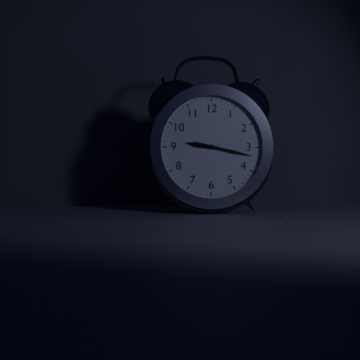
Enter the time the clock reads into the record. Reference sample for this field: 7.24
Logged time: 9.17
